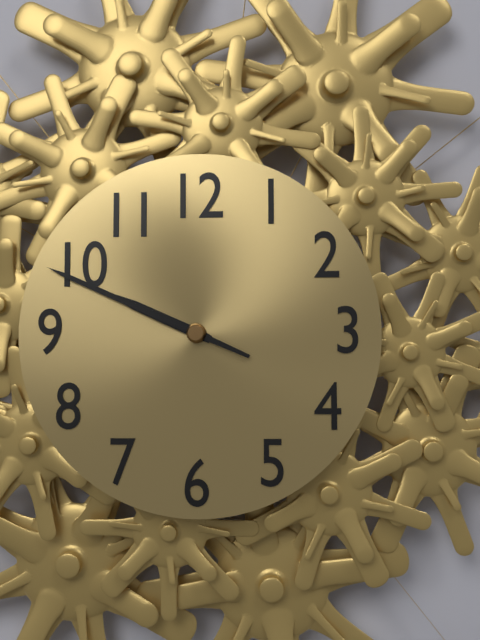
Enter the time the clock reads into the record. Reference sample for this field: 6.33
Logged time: 9.49
